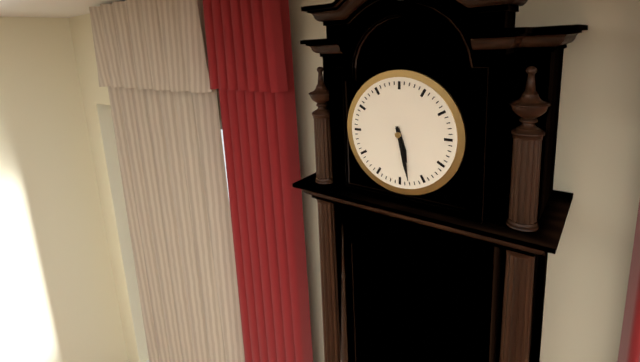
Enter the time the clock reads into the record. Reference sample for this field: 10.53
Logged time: 5.28
